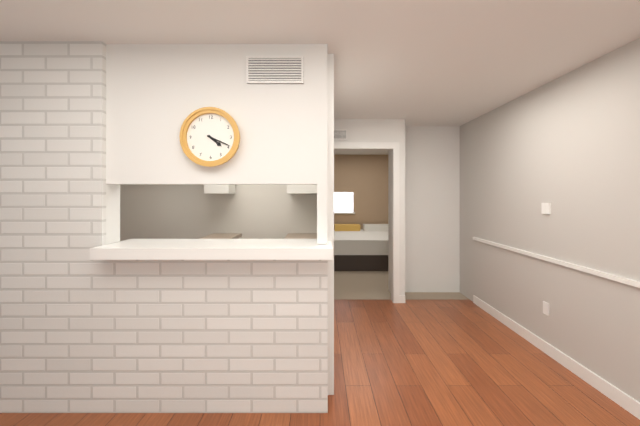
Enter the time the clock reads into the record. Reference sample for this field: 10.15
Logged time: 4.19
